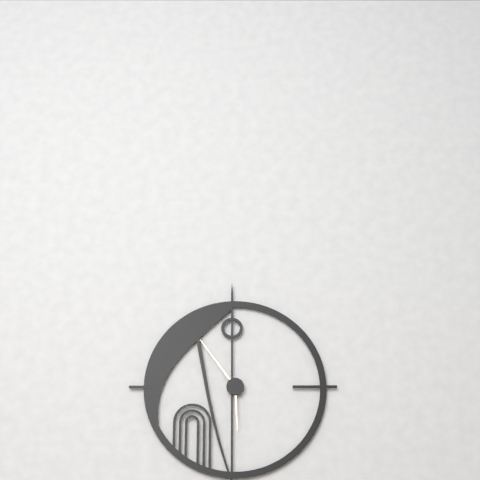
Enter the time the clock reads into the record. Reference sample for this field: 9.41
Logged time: 5.54
